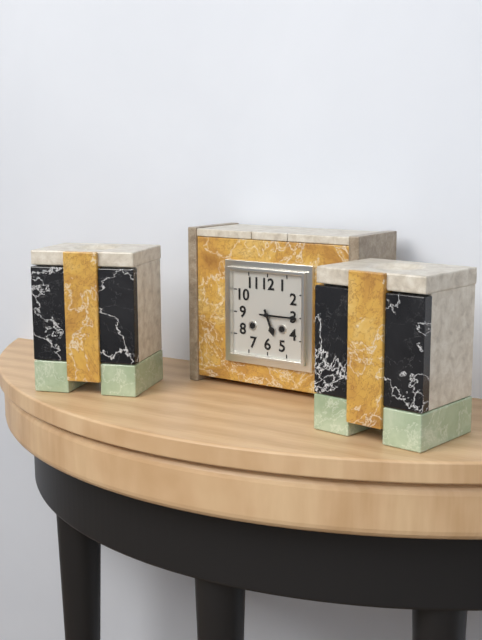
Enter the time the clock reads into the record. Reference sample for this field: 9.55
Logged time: 5.15
